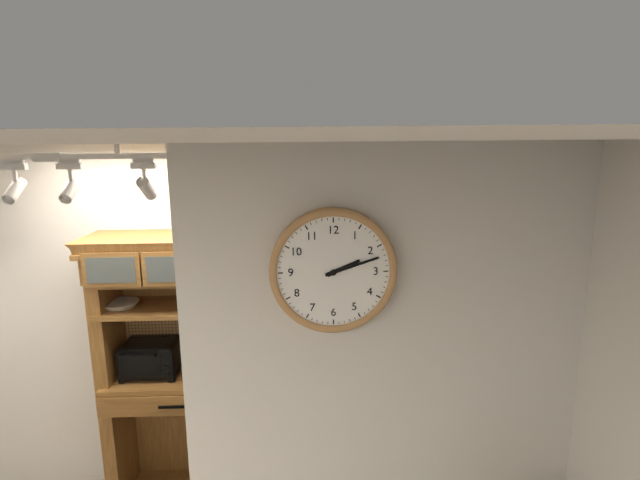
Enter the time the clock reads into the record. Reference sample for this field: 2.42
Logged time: 2.12
